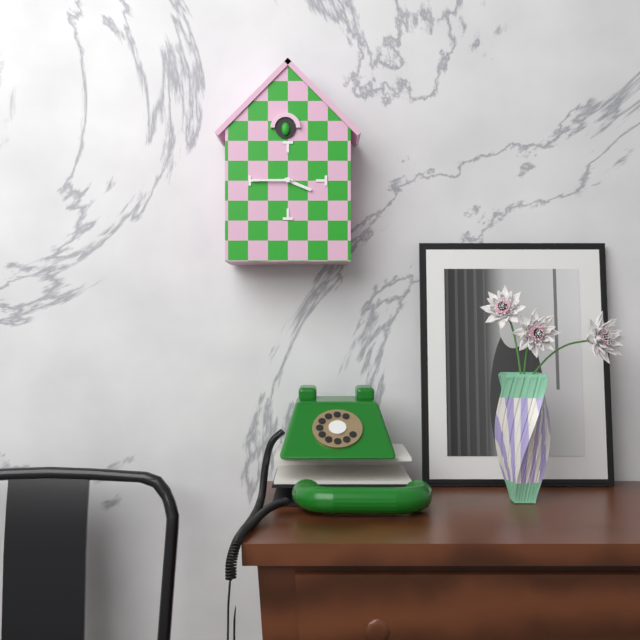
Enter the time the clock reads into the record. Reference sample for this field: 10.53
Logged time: 3.45
